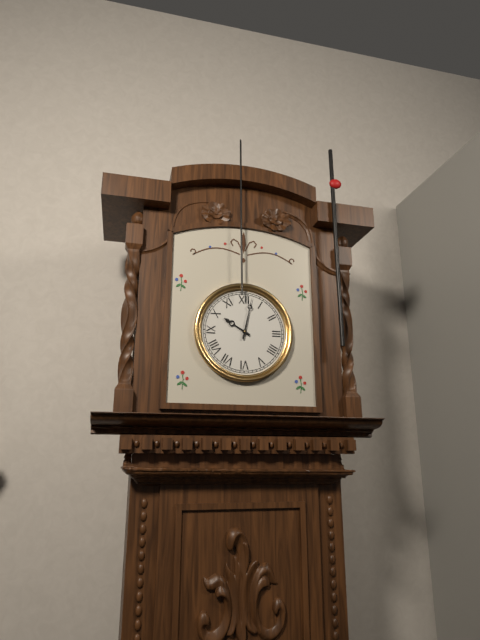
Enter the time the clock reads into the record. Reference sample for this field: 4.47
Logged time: 10.02
